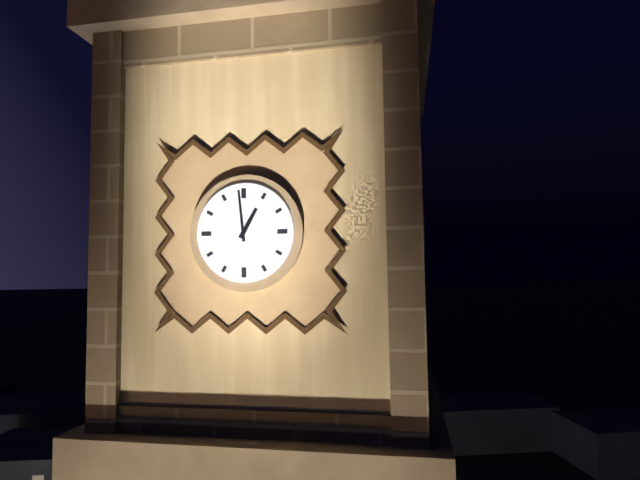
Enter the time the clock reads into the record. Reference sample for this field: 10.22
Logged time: 12.59
